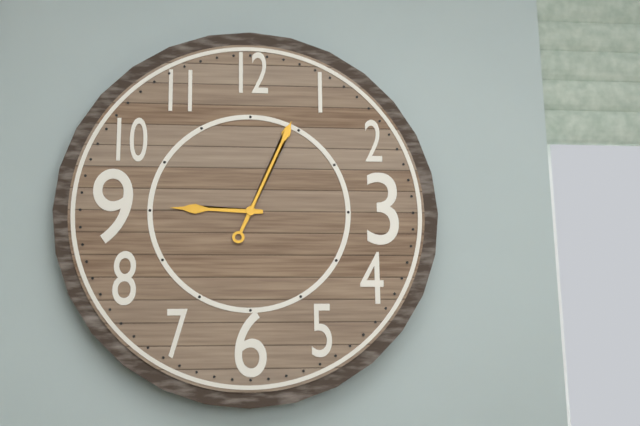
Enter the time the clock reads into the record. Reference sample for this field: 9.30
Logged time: 9.04
